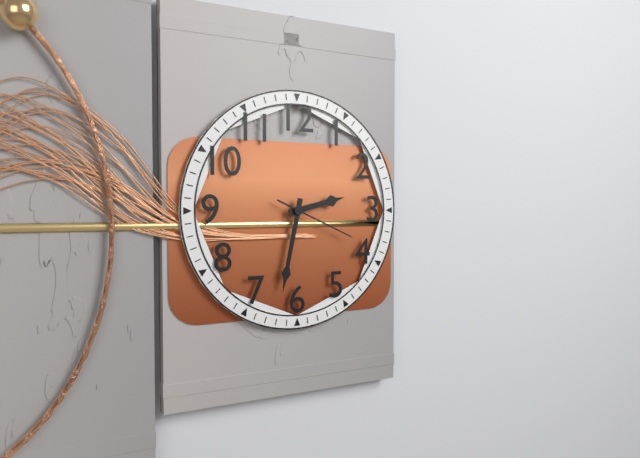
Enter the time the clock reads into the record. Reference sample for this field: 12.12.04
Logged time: 2.32.19
